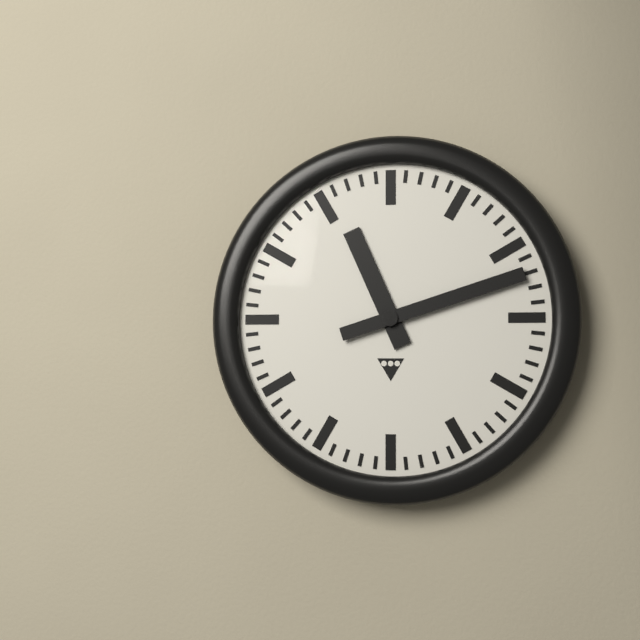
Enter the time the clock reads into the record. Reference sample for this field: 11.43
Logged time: 11.12
